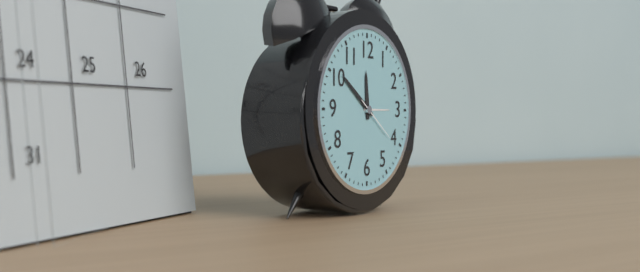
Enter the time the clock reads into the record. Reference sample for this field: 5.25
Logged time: 11.51
